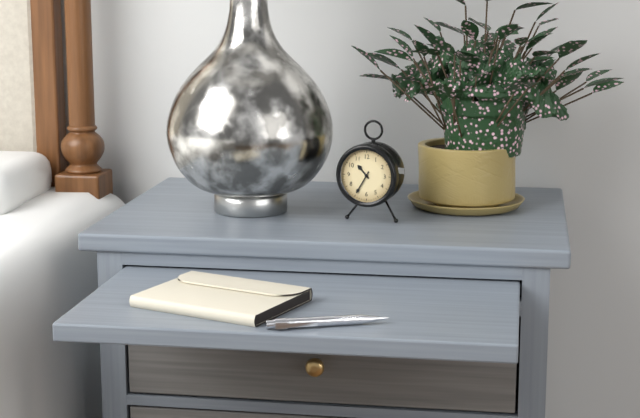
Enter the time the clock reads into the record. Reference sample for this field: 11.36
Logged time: 10.35
